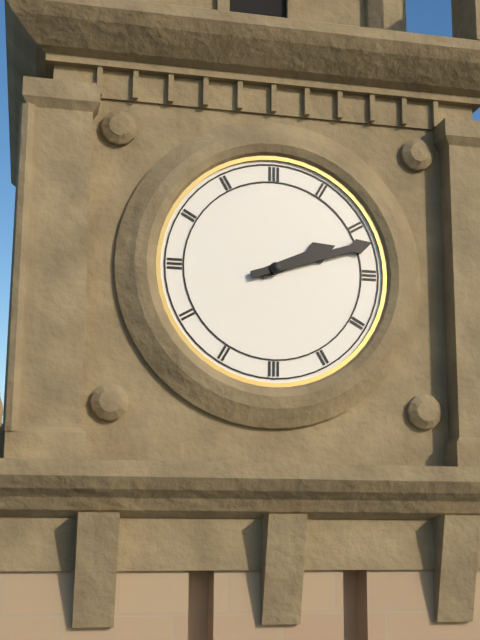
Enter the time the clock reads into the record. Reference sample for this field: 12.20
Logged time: 2.12
